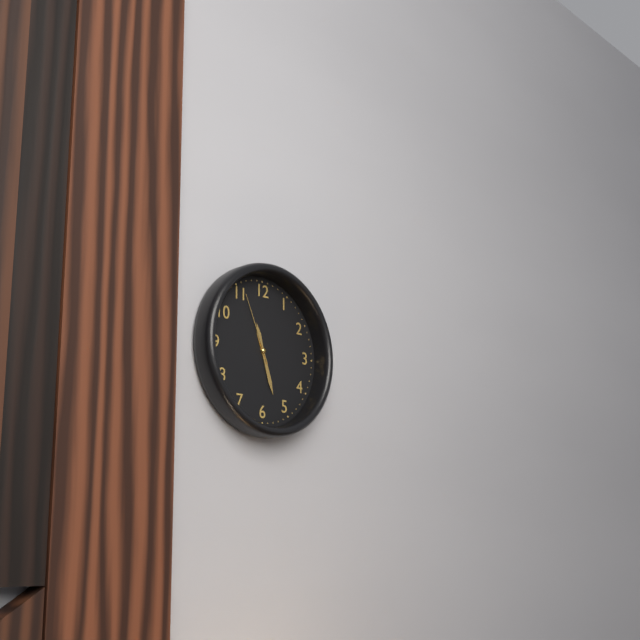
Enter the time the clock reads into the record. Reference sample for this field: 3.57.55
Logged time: 11.27.56
